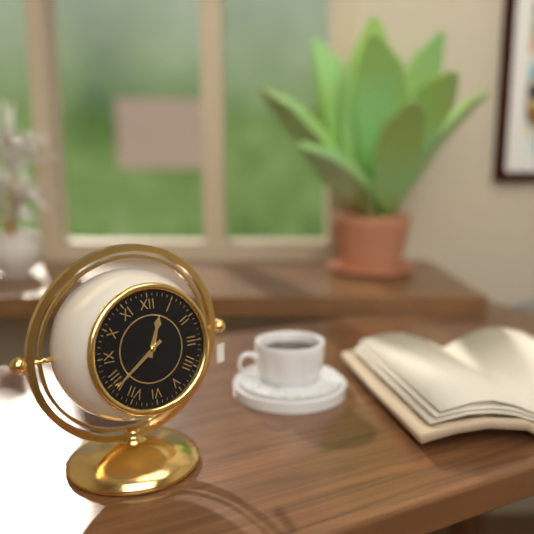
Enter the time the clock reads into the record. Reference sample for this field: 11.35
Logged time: 12.39
